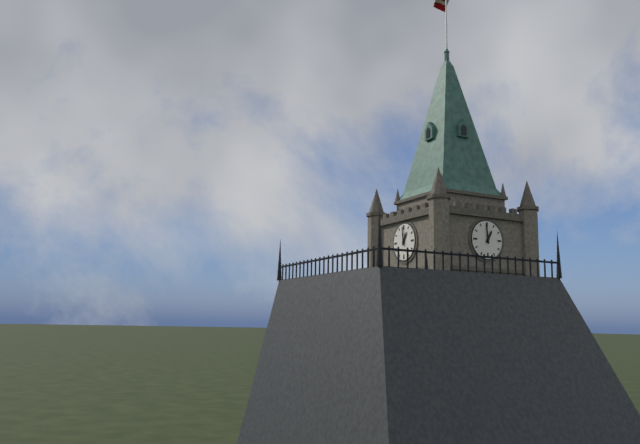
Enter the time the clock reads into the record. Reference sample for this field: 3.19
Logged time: 12.59
